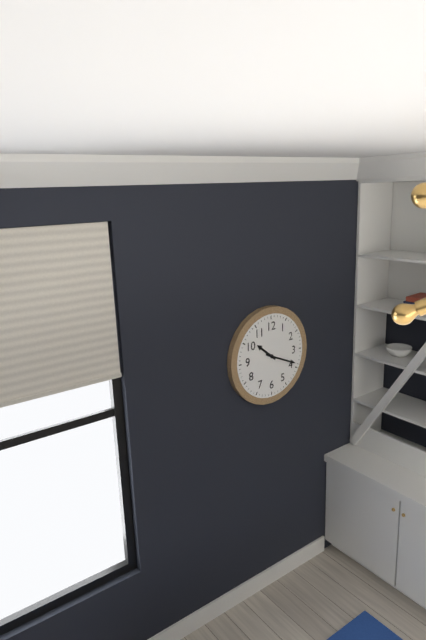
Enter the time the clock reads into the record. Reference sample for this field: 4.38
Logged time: 10.19
